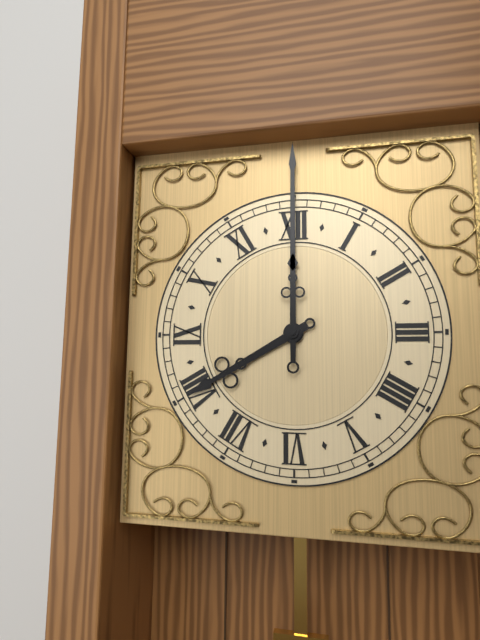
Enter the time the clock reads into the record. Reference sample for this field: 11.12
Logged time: 8.00
